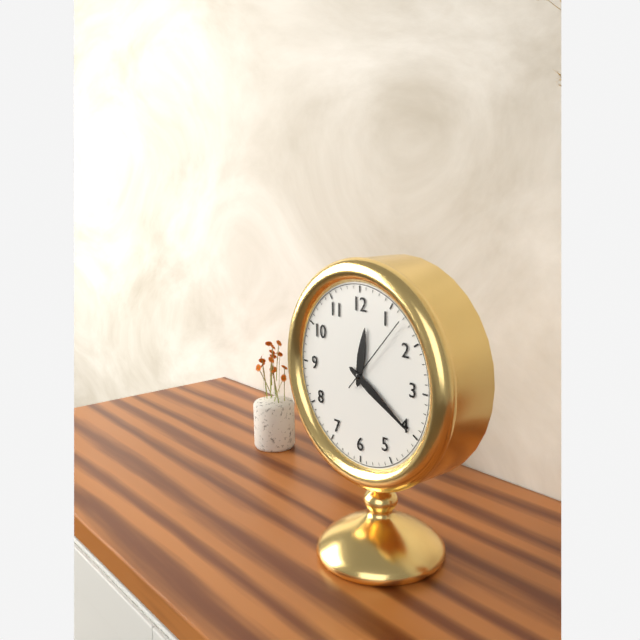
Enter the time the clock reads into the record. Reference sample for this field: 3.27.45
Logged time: 12.20.07
